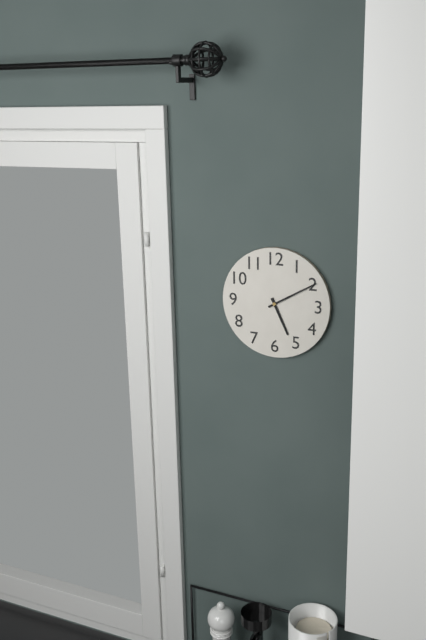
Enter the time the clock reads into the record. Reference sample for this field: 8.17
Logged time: 5.10
